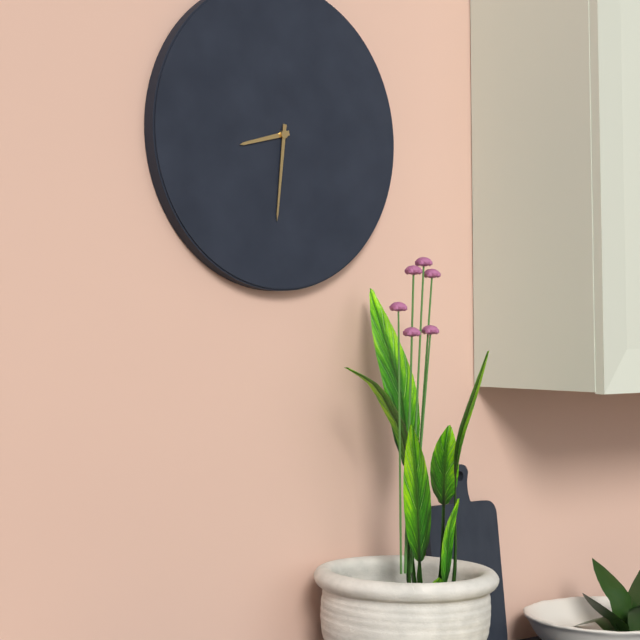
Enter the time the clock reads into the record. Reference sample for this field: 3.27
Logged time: 8.31
